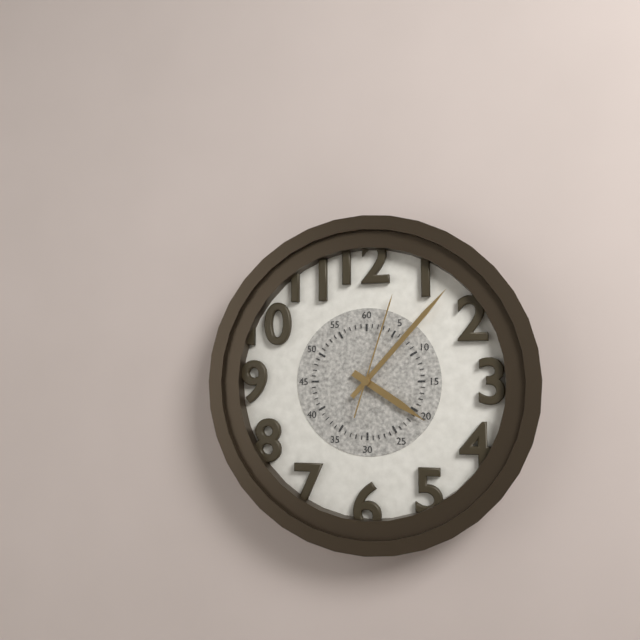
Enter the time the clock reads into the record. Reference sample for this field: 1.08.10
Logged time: 4.07.03
